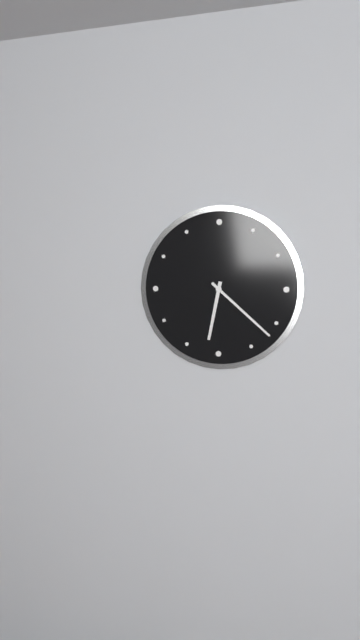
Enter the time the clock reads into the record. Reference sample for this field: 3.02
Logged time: 6.22
